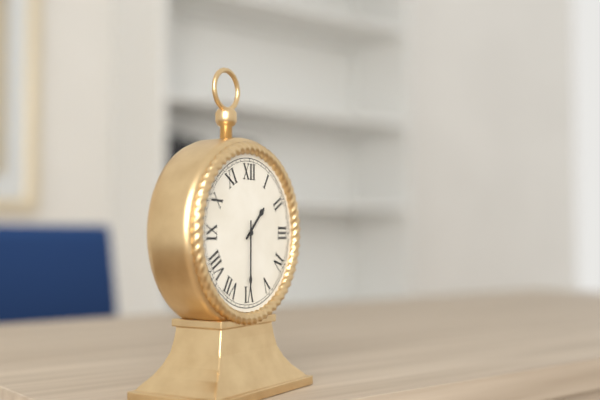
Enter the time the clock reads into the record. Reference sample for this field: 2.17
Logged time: 1.30
